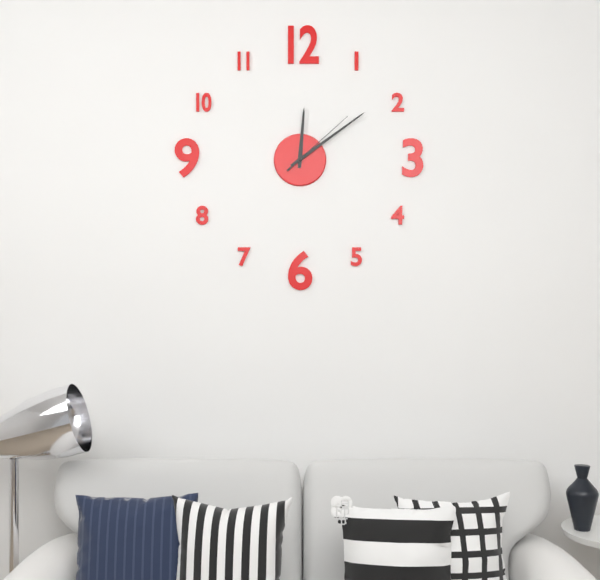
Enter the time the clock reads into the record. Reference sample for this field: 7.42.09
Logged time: 12.09.08
